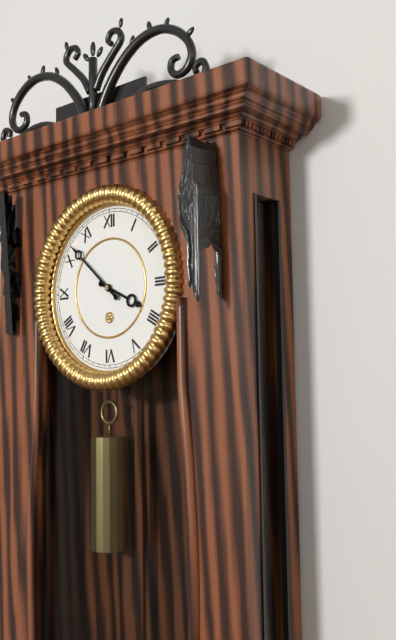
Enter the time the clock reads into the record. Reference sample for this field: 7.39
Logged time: 3.52
